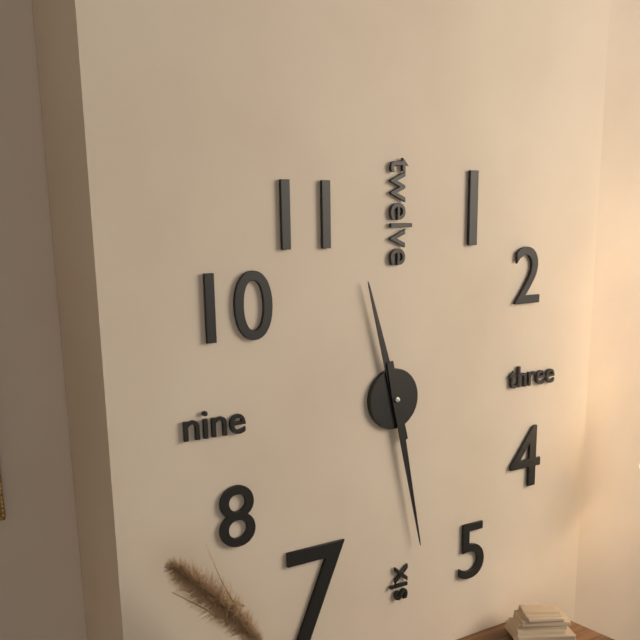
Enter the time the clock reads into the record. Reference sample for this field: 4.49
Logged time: 11.28
